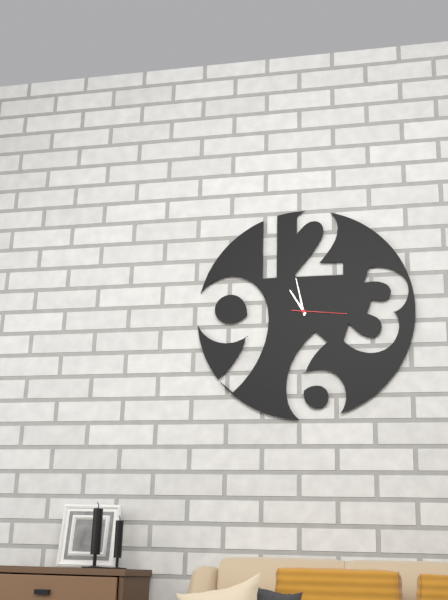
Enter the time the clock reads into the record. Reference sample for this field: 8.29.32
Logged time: 10.58.16
